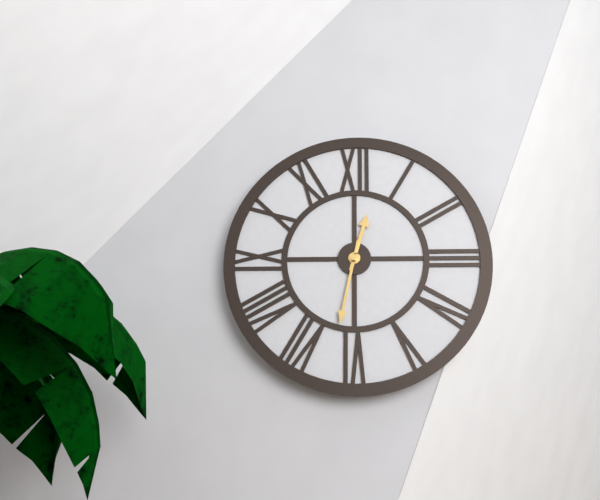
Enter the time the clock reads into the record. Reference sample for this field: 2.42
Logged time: 12.32
